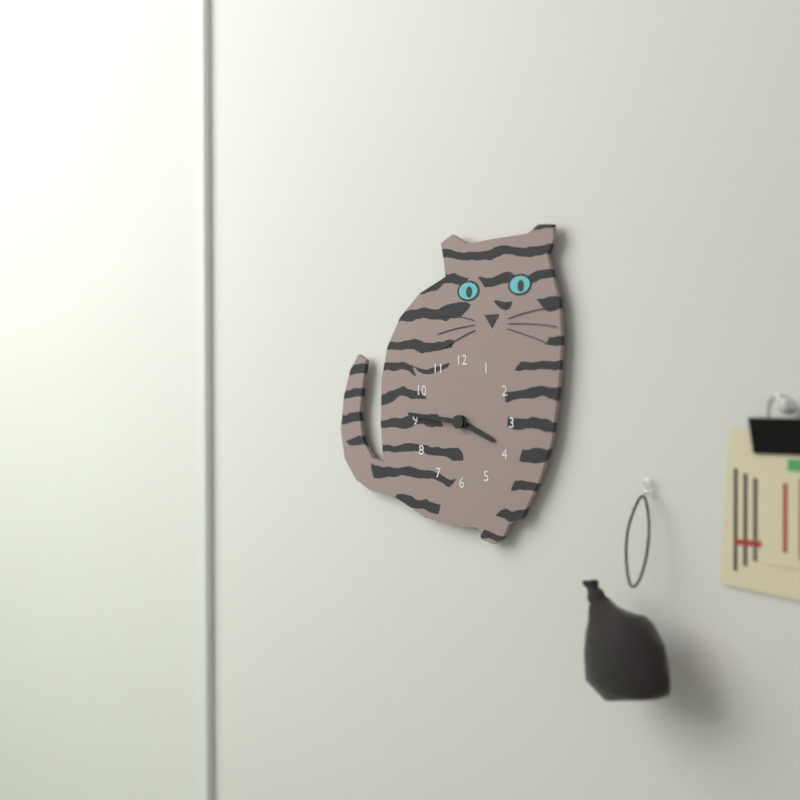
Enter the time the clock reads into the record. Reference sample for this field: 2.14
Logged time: 3.46
